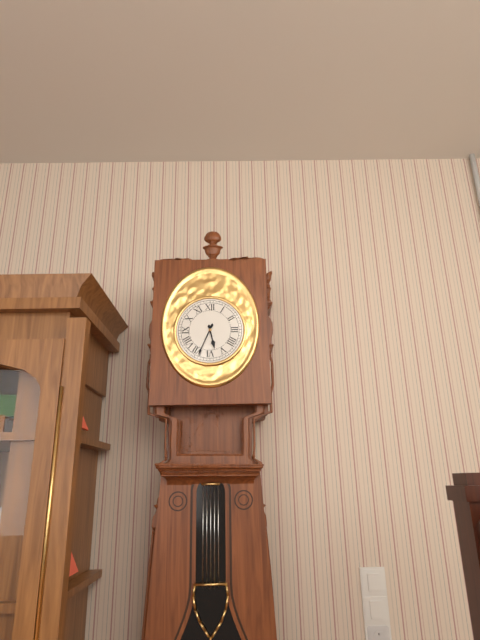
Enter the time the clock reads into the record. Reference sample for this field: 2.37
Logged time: 5.34
